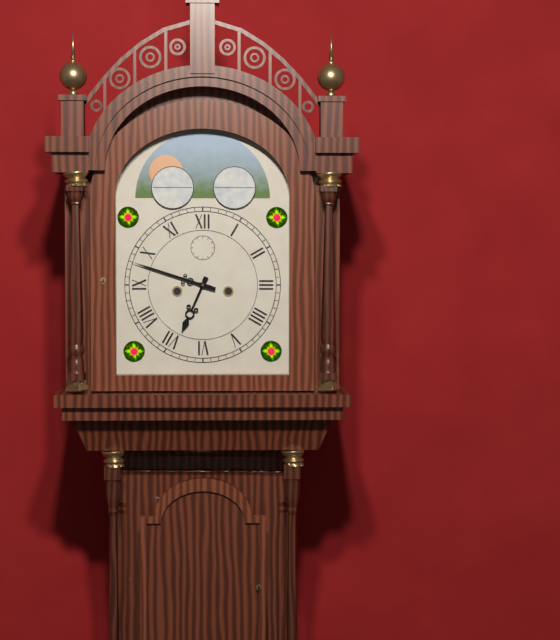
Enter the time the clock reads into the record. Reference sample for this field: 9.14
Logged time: 6.48
